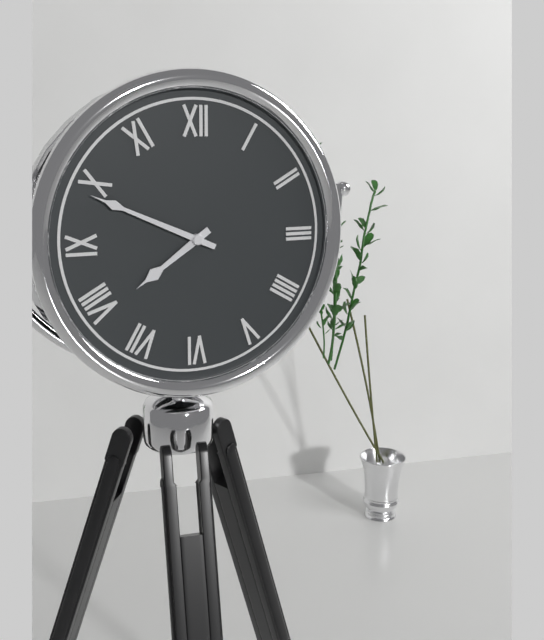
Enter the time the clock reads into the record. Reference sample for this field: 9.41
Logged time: 7.49
